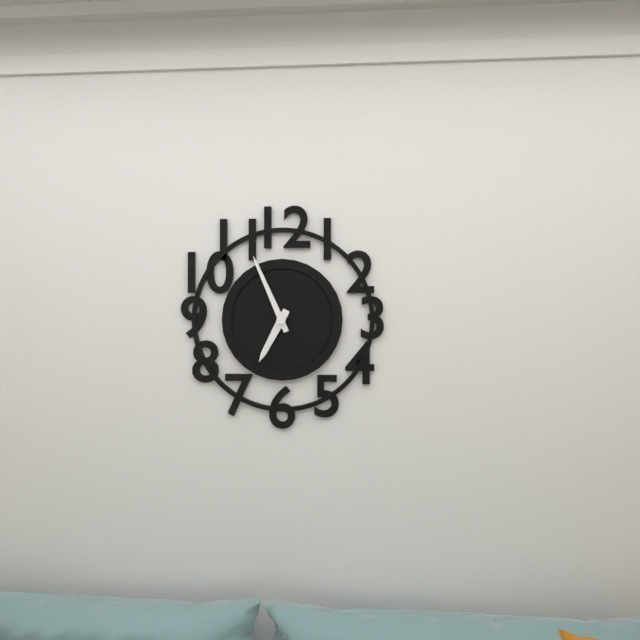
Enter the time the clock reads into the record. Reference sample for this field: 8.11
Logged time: 6.56
